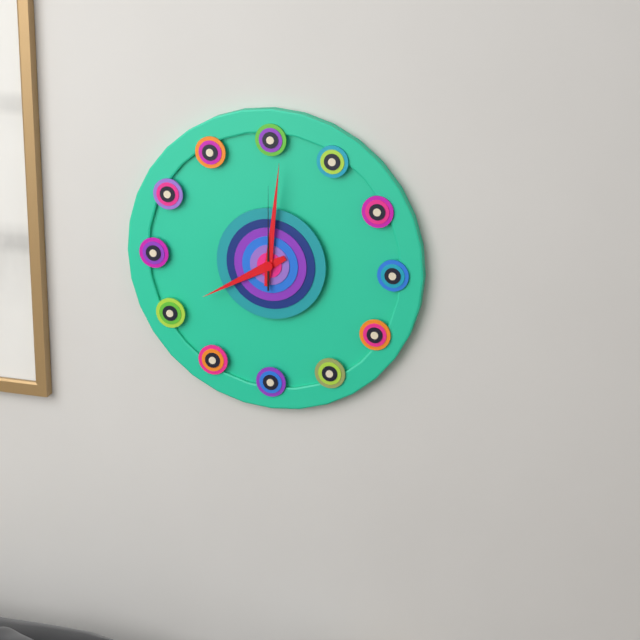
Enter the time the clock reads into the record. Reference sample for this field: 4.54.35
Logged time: 8.01.00
